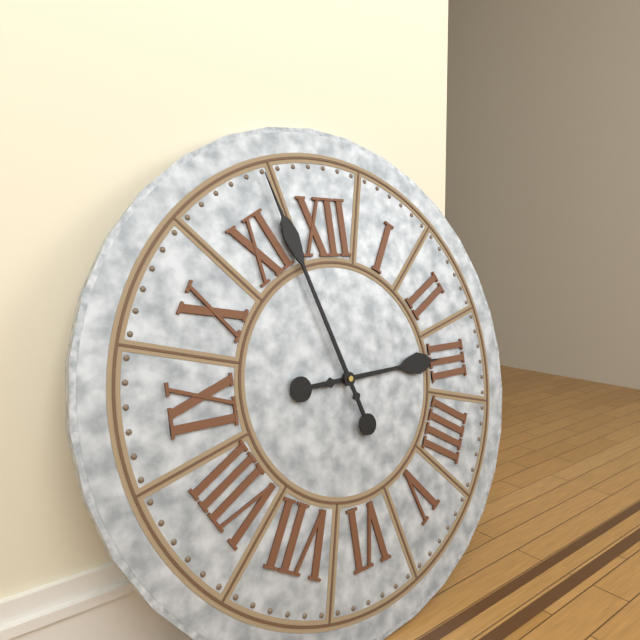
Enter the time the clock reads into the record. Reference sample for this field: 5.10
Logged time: 2.57
